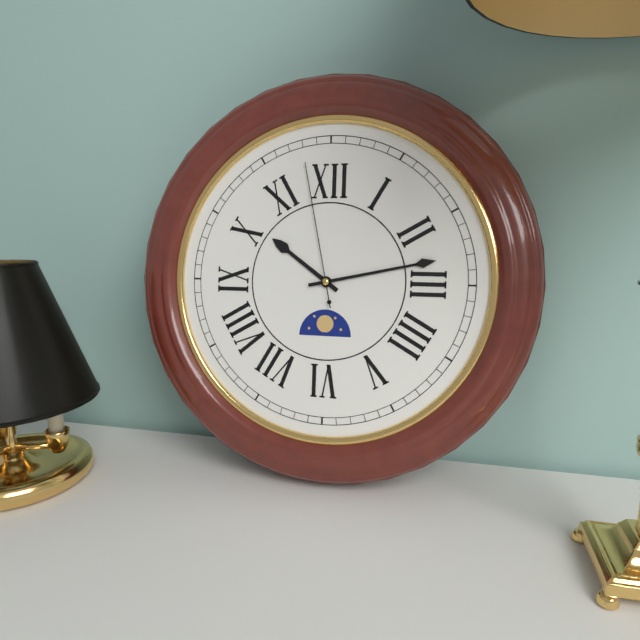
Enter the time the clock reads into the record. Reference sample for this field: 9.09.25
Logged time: 10.13.58
